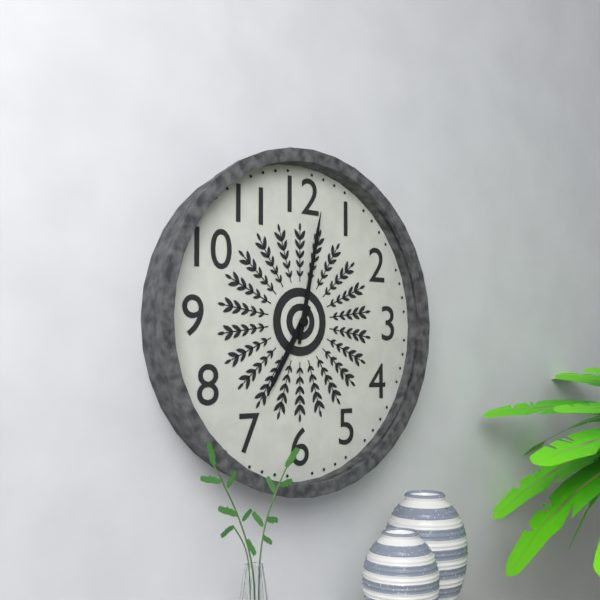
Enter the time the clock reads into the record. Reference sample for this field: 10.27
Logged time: 7.02
